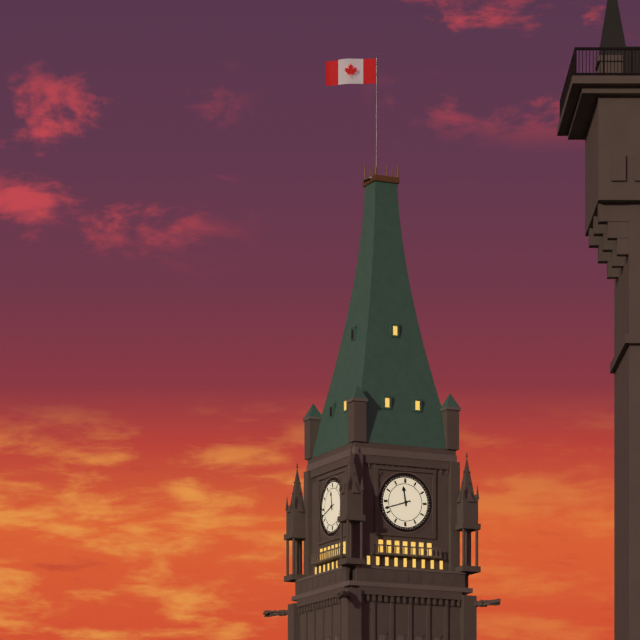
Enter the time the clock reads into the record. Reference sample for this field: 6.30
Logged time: 11.42
